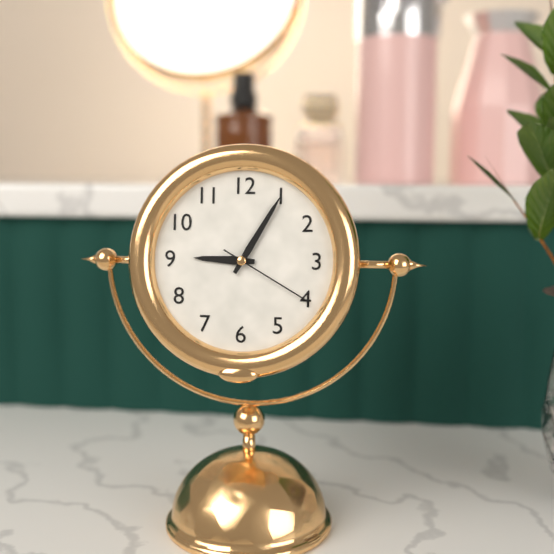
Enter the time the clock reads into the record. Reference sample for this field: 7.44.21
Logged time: 9.05.20
